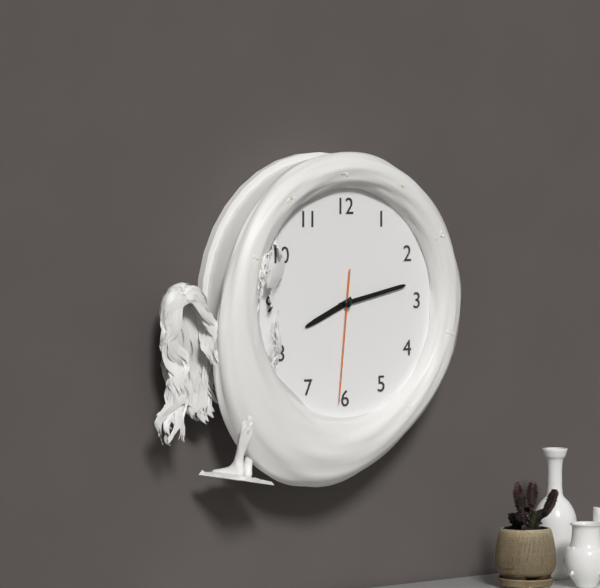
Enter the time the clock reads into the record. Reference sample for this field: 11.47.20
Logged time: 8.13.31
